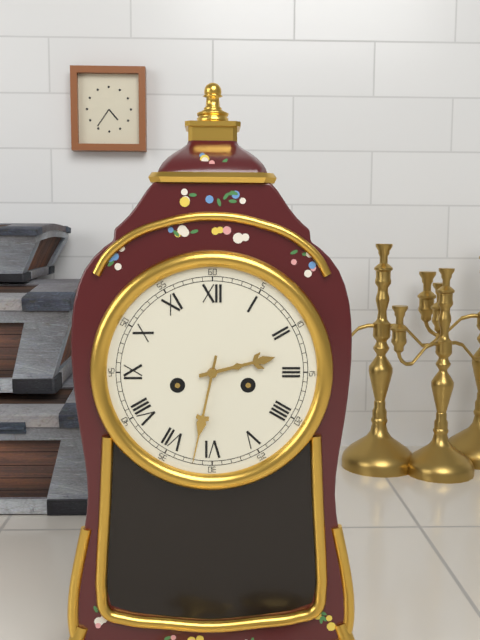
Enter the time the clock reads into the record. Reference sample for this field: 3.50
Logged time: 2.32
